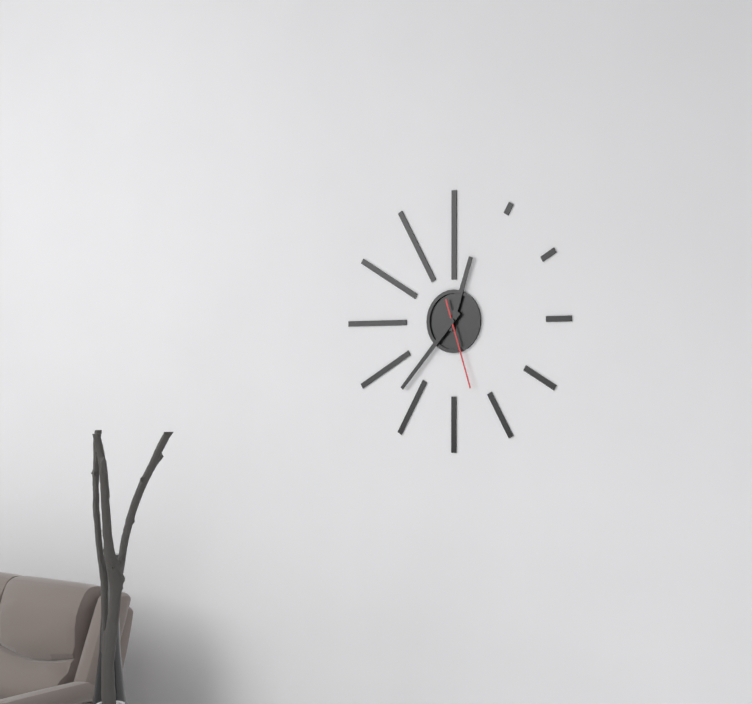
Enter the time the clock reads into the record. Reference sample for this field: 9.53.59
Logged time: 12.37.27
